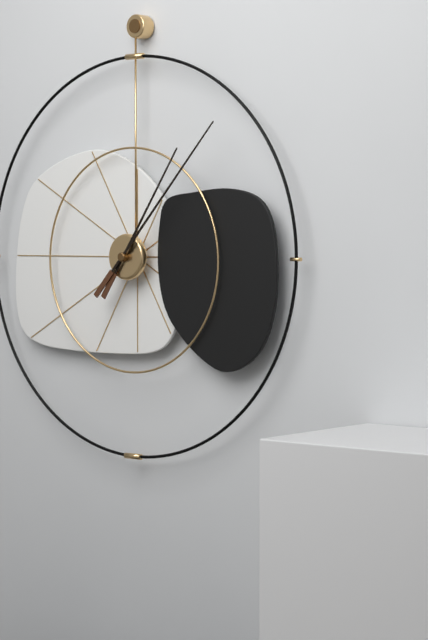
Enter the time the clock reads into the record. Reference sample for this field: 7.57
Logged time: 1.07
